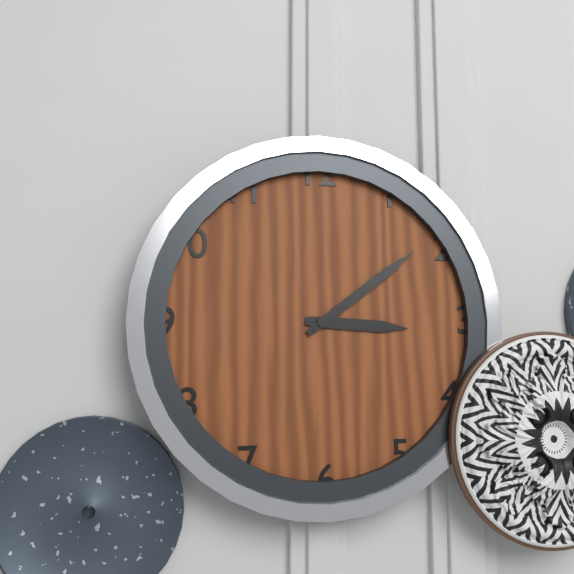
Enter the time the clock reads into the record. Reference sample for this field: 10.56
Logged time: 3.09
